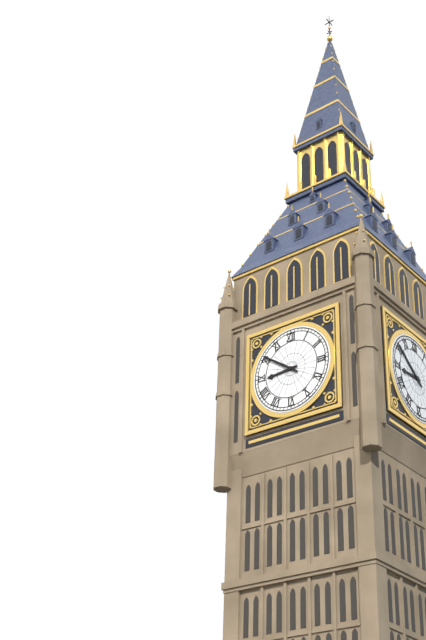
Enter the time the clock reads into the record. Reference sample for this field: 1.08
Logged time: 8.51
